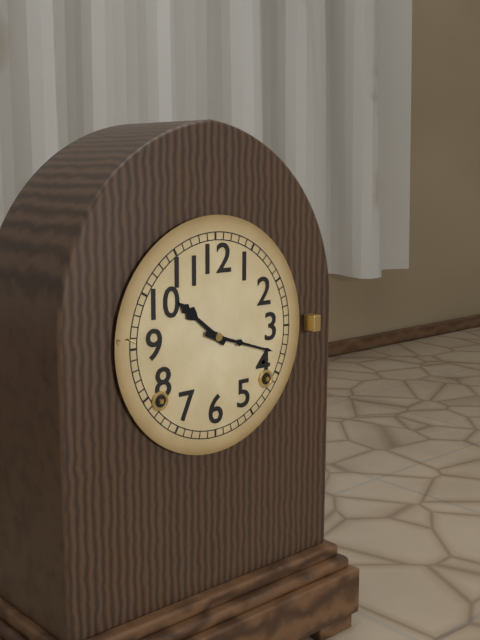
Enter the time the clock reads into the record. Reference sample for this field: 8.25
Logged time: 10.18
